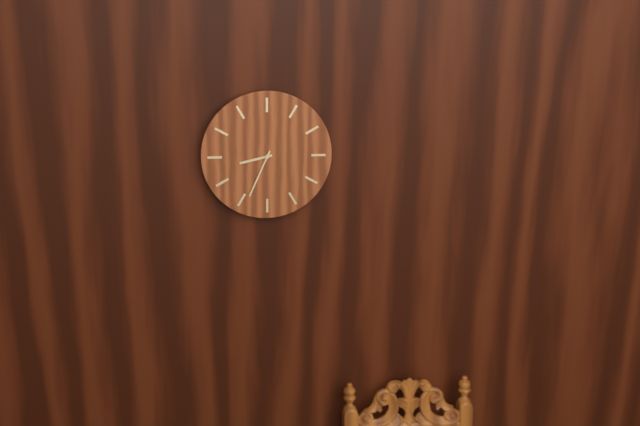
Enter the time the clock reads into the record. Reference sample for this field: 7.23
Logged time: 8.34
